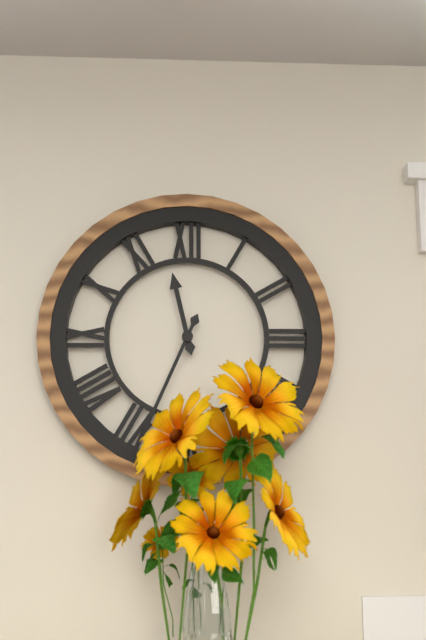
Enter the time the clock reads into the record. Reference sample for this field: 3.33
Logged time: 11.34
